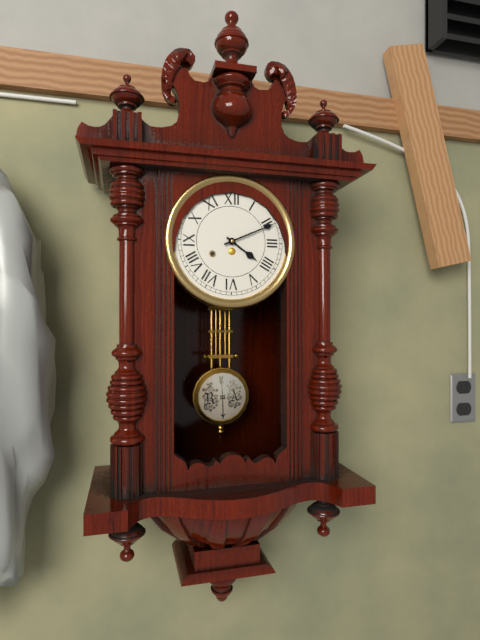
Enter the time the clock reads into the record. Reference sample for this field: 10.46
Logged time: 4.11
